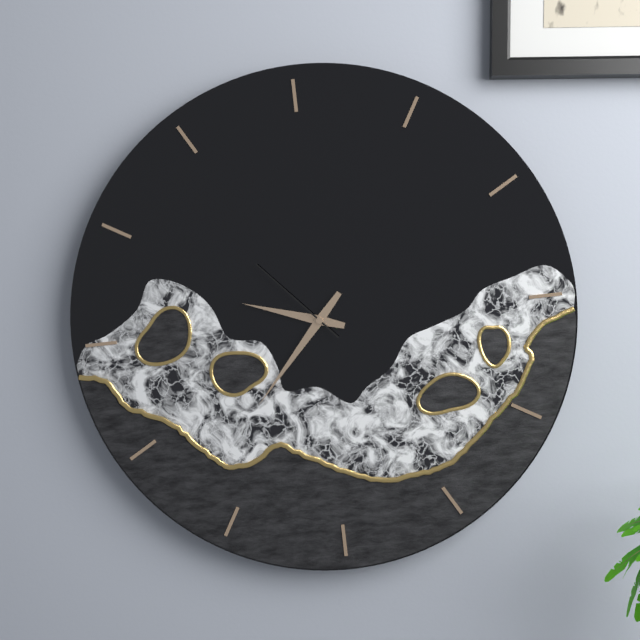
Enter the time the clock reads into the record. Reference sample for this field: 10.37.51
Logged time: 9.37.53
